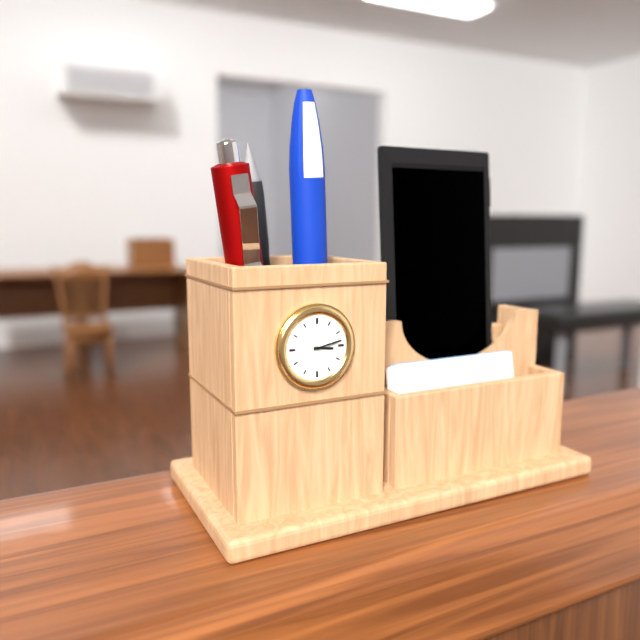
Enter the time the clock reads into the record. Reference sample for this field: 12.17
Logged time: 3.13
